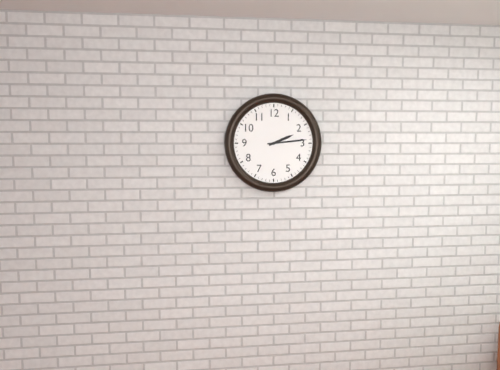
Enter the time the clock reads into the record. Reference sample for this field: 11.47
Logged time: 2.14
